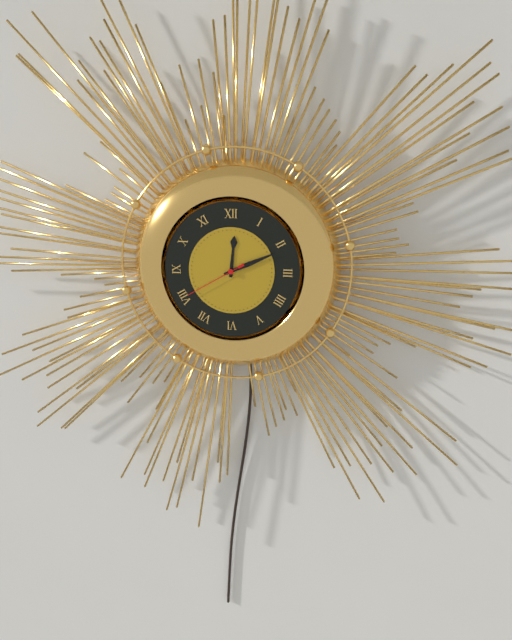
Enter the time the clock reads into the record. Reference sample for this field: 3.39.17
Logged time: 12.11.40
